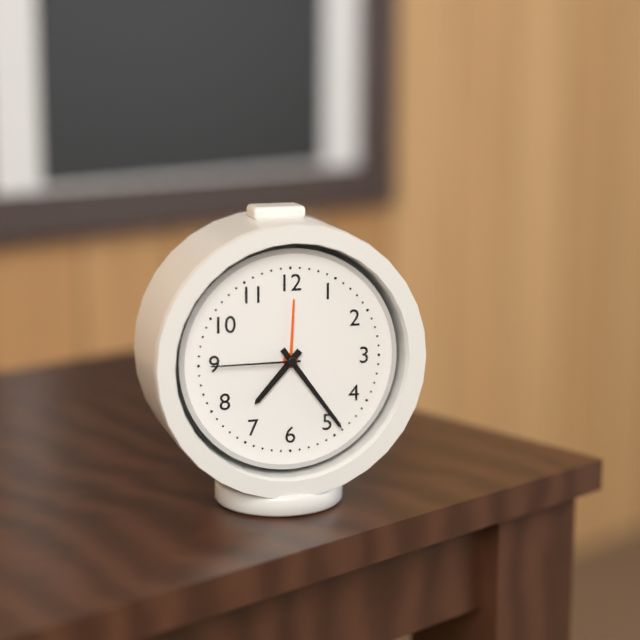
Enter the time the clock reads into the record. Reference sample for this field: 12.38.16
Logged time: 7.24.45
